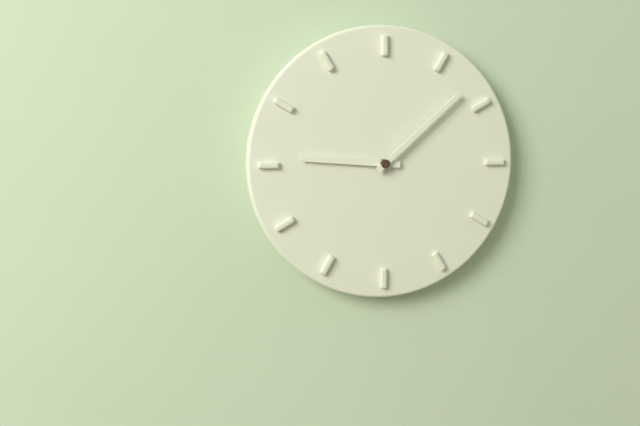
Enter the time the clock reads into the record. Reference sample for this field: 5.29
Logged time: 9.08
